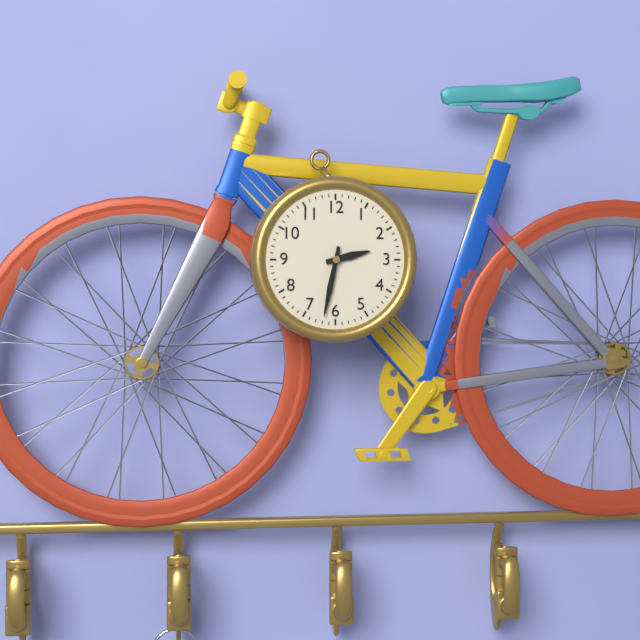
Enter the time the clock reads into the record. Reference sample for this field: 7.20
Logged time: 2.32
